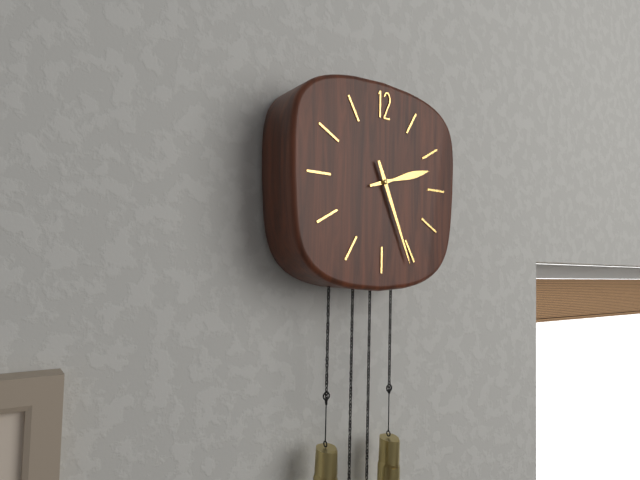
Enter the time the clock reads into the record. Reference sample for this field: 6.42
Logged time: 2.26
